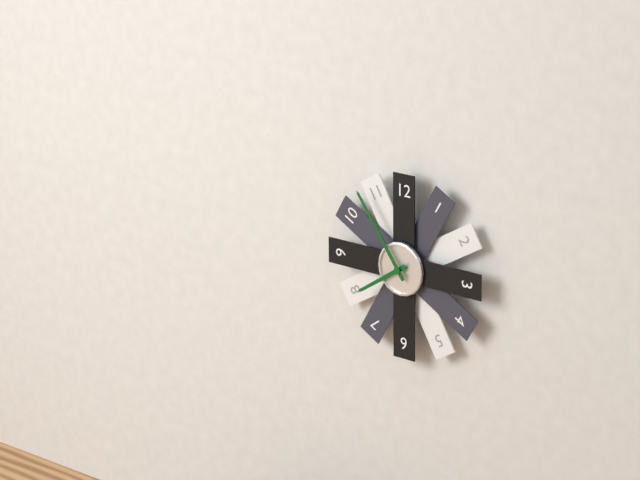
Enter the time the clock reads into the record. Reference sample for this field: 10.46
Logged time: 7.54
